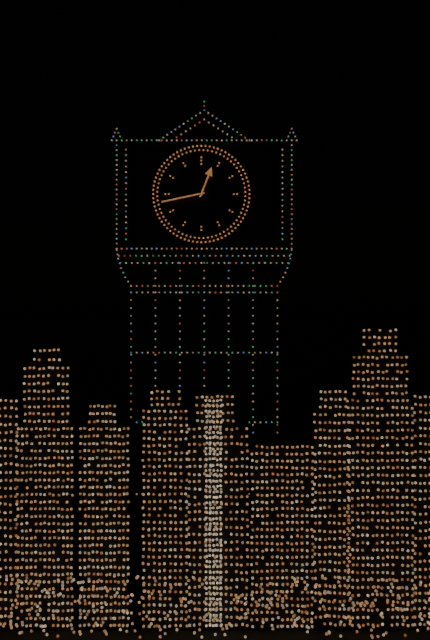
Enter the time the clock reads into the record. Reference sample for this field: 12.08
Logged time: 12.43
